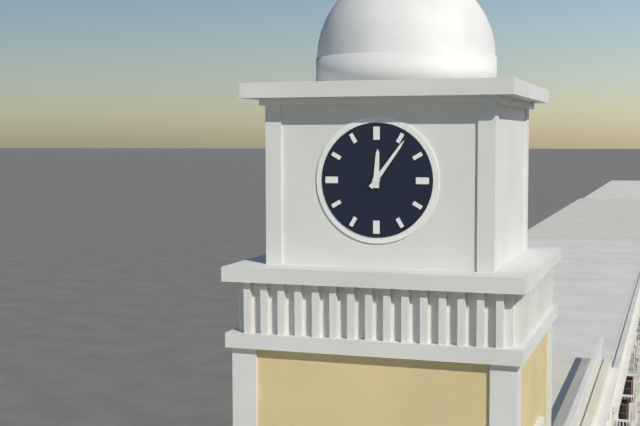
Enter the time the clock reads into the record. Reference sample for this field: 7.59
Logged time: 12.06
